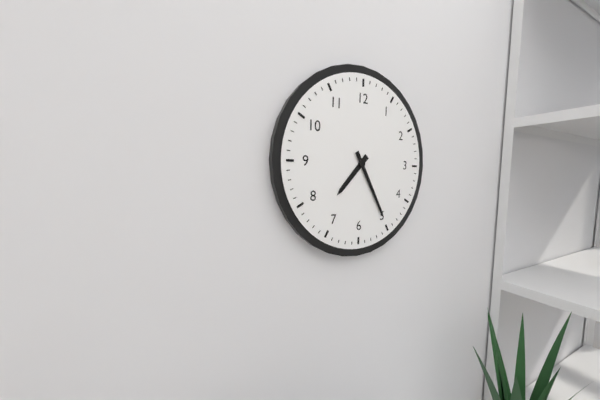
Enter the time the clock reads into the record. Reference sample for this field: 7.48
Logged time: 7.25
